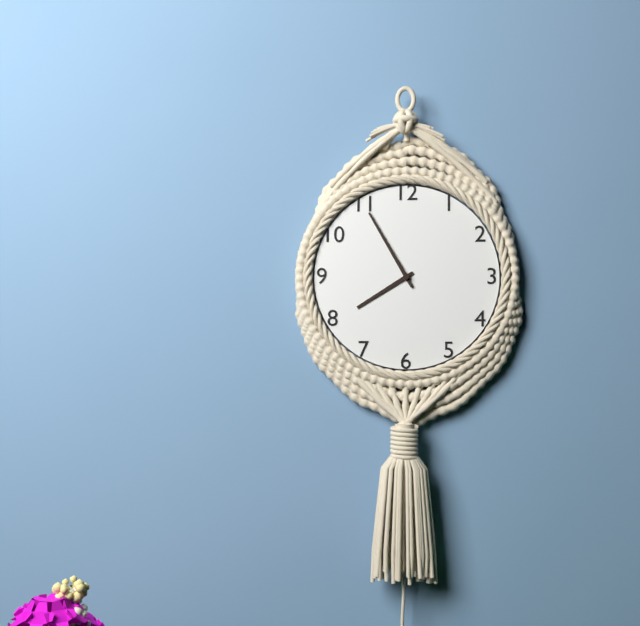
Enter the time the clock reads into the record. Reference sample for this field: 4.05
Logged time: 7.55
